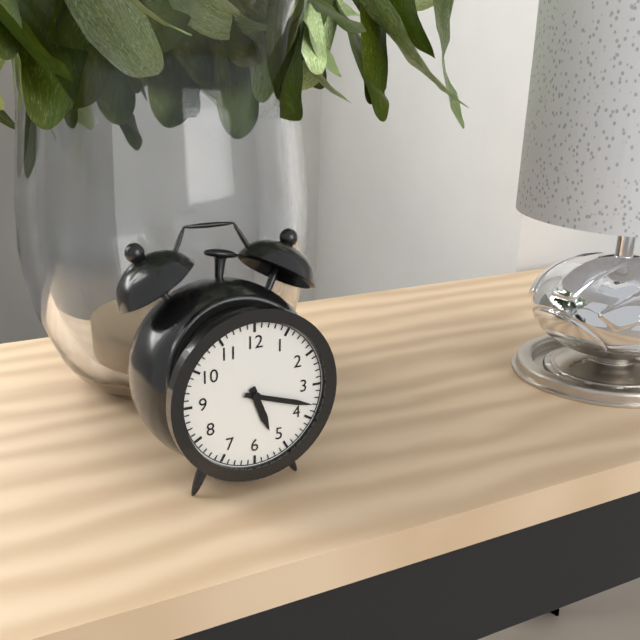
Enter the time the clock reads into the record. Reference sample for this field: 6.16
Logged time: 5.18
